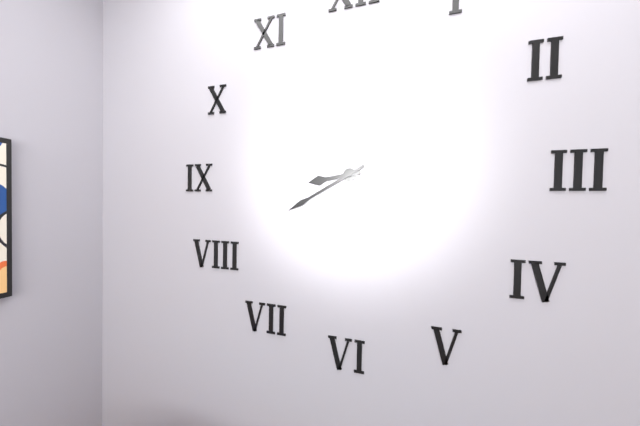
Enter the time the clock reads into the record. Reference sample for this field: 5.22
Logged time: 8.40
